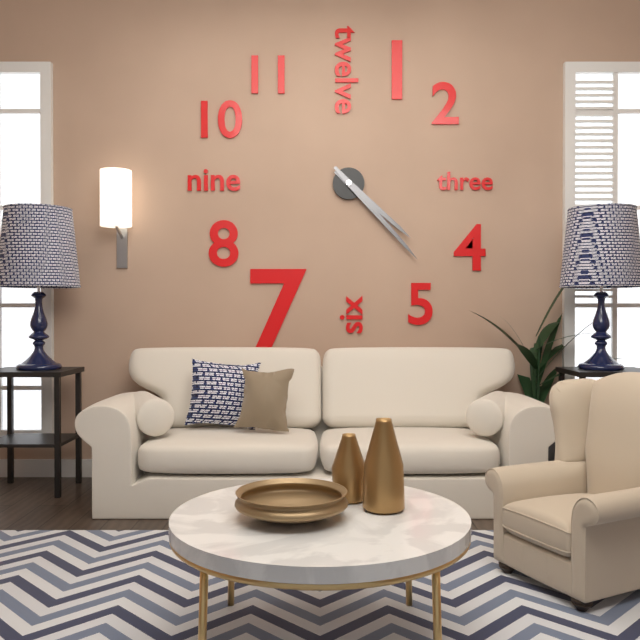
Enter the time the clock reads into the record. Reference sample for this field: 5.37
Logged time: 4.23
